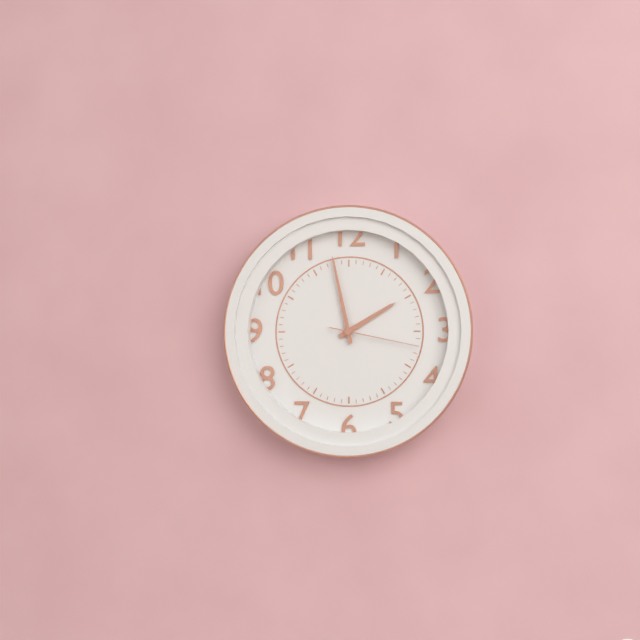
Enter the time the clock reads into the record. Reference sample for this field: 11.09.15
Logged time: 1.58.17
